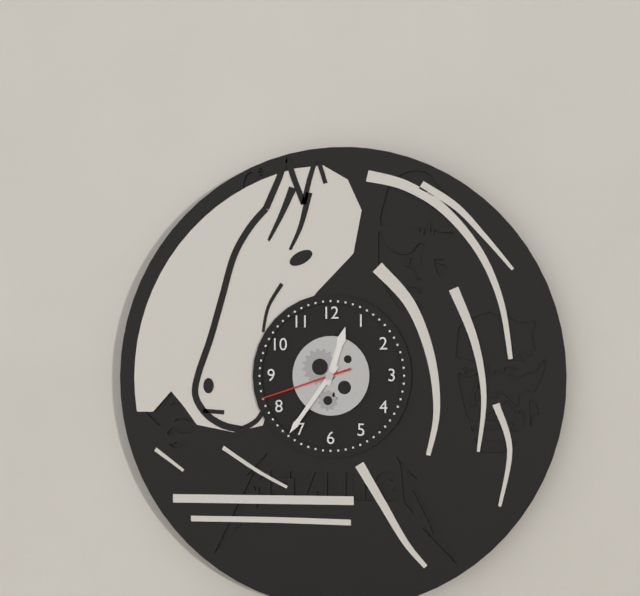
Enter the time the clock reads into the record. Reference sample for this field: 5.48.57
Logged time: 12.36.42
